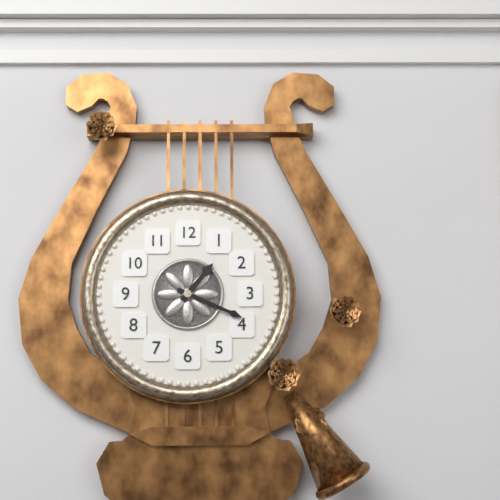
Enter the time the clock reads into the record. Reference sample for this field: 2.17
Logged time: 1.19
